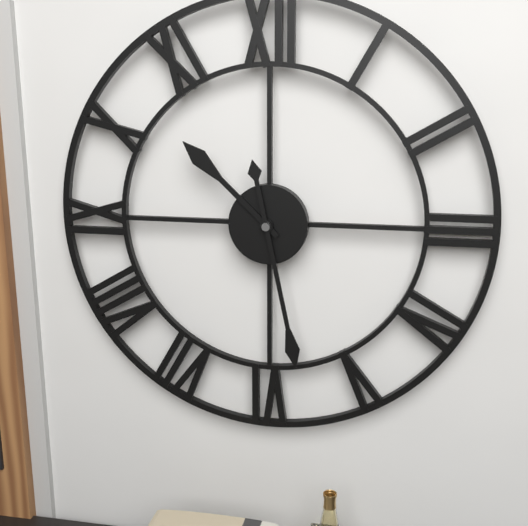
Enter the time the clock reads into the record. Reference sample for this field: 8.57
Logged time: 10.28
